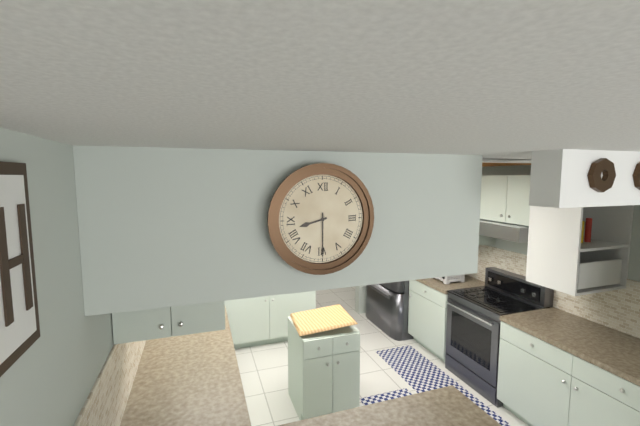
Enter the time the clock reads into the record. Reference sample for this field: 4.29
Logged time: 8.30
